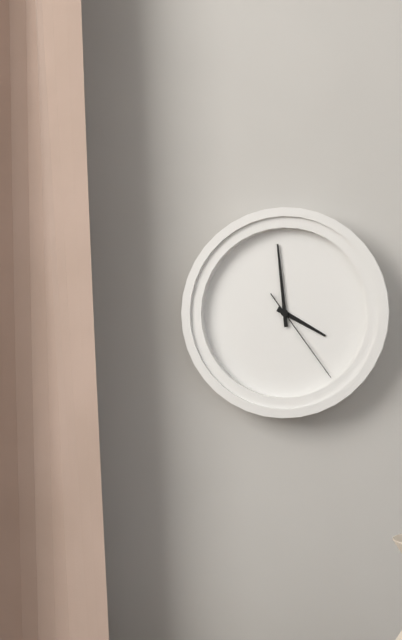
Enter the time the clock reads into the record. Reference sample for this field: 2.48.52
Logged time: 3.59.24
